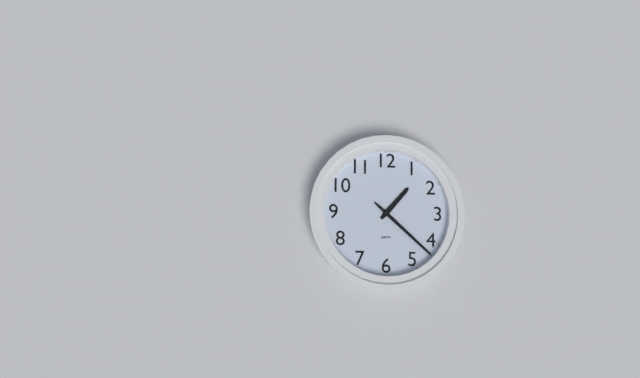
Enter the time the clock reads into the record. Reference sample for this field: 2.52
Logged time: 1.22
